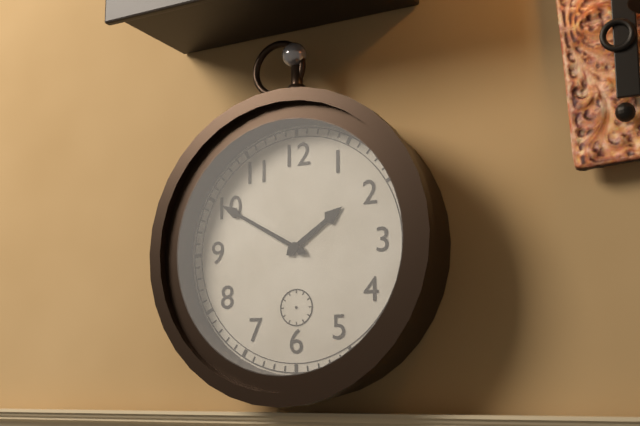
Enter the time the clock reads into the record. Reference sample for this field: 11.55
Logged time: 1.50
